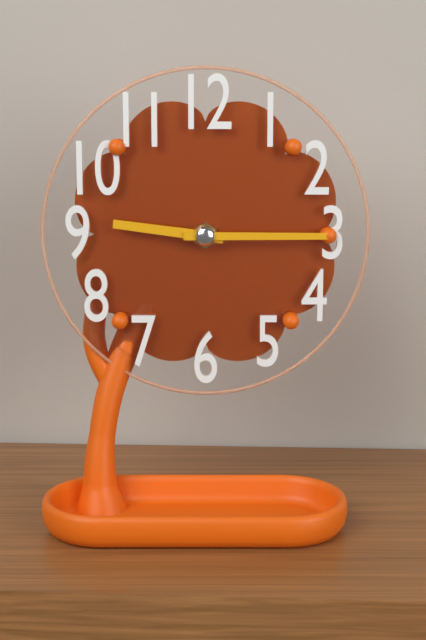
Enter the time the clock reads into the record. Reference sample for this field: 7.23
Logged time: 9.15
